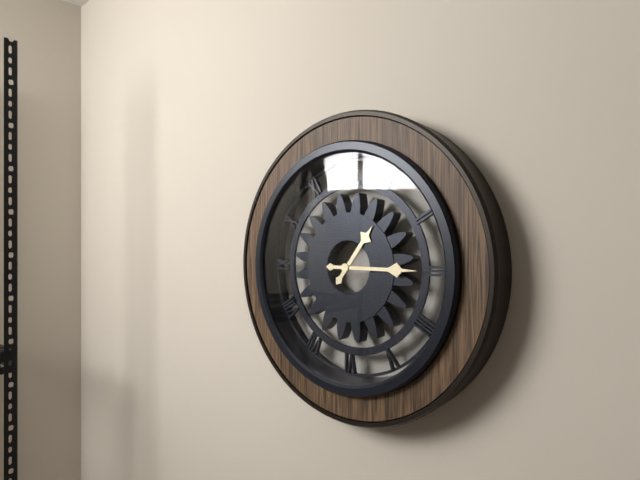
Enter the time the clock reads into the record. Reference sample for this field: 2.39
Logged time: 1.15
